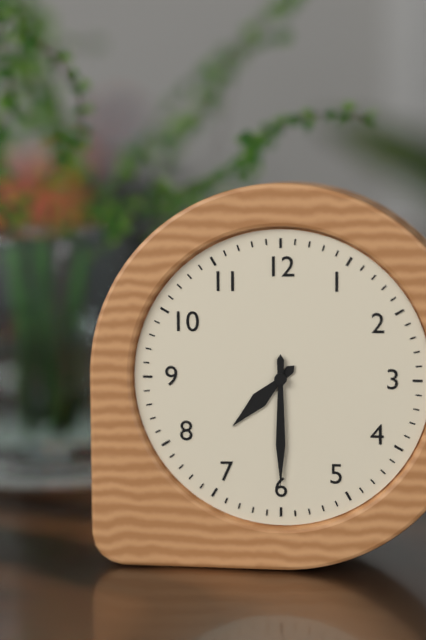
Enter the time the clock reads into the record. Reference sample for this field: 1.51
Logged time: 7.30
